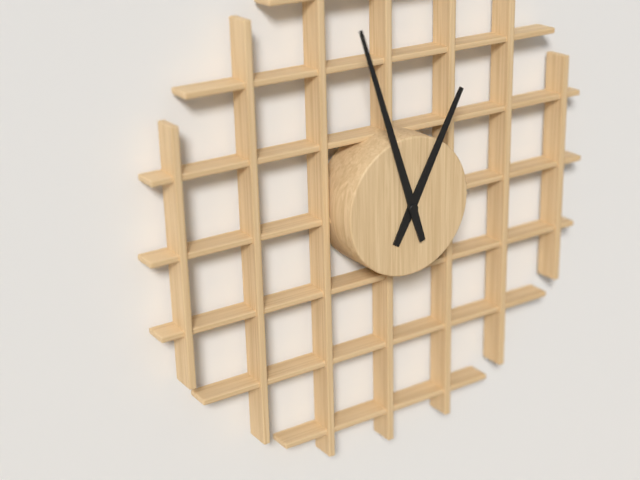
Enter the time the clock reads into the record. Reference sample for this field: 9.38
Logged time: 12.57
